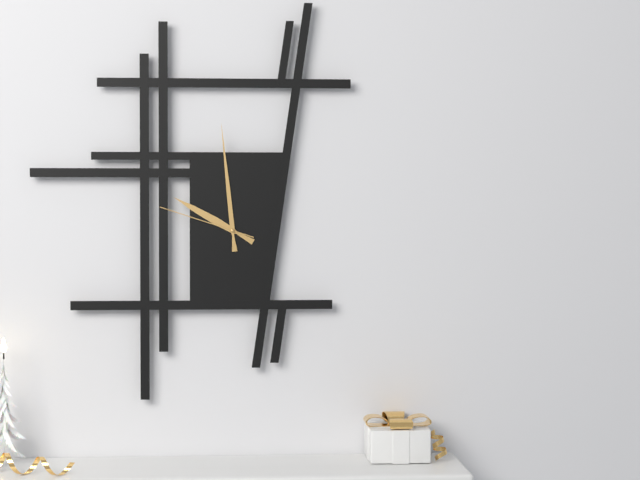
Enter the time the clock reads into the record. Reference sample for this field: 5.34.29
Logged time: 9.59.48
